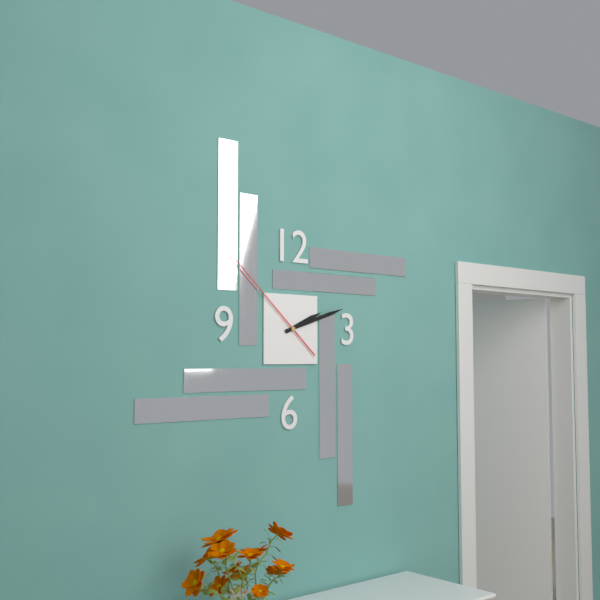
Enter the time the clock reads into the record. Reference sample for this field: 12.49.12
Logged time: 2.12.52
